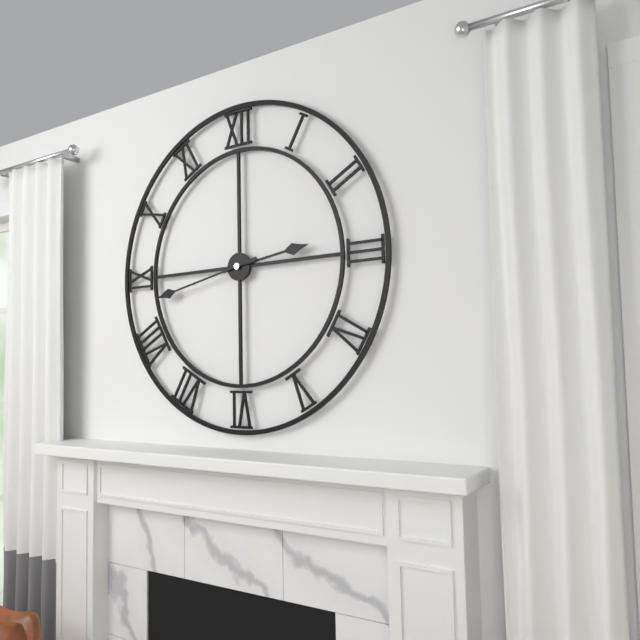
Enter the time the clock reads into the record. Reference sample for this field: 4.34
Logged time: 2.43
